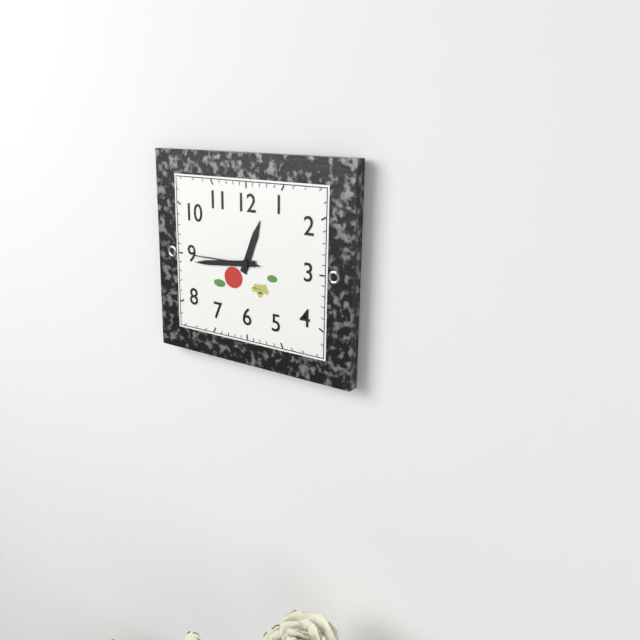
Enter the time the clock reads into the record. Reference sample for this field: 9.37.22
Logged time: 12.44.45
